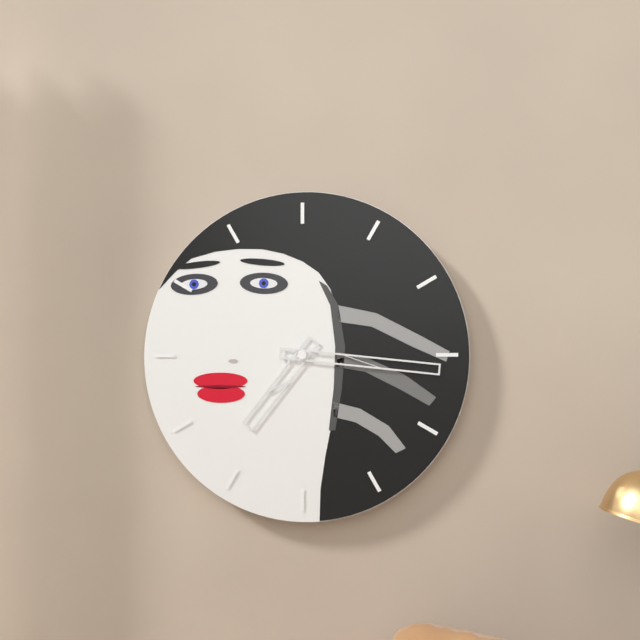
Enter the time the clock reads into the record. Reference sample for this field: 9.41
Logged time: 7.16
